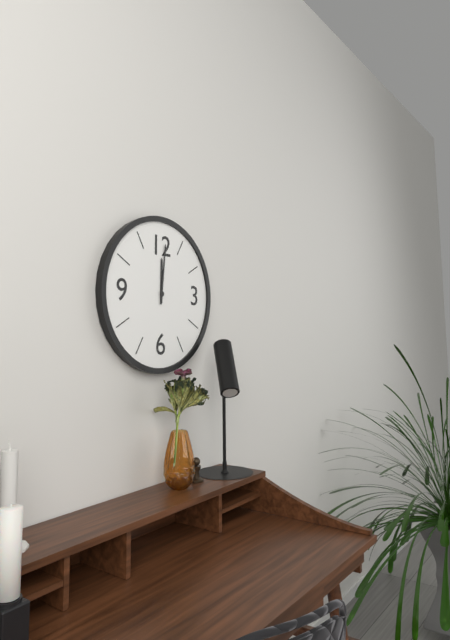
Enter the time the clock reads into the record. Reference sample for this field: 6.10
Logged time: 12.01
